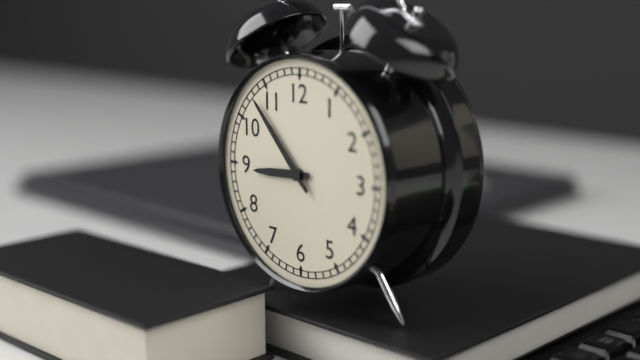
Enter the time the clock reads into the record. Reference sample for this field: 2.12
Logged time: 8.53
